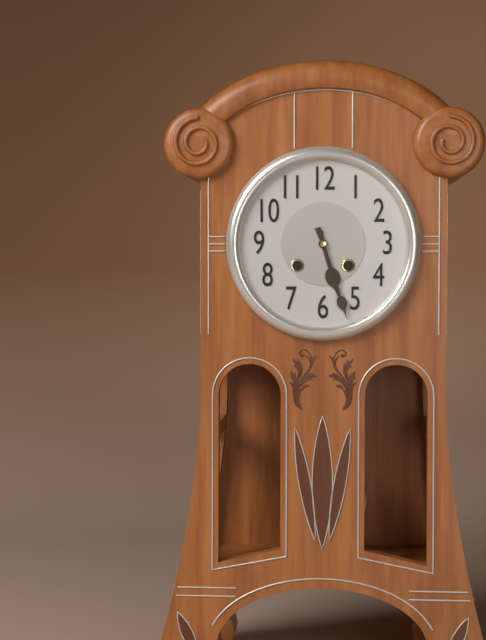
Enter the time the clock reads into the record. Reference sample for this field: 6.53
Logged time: 5.27
